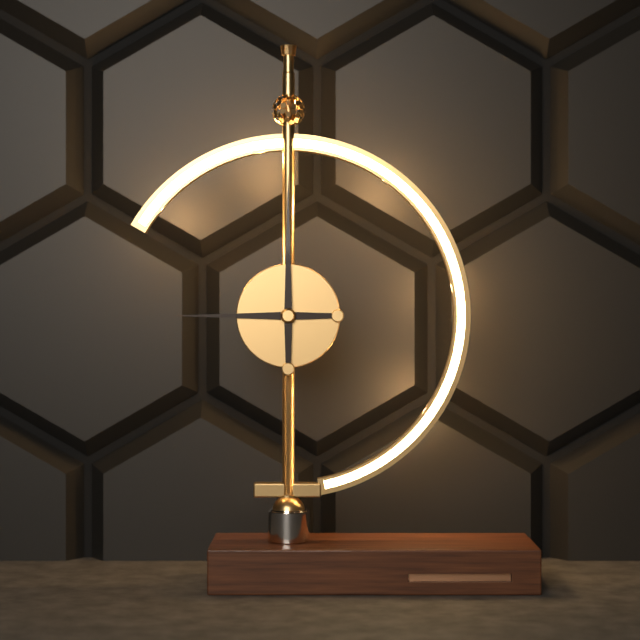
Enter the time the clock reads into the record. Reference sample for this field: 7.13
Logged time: 9.00
